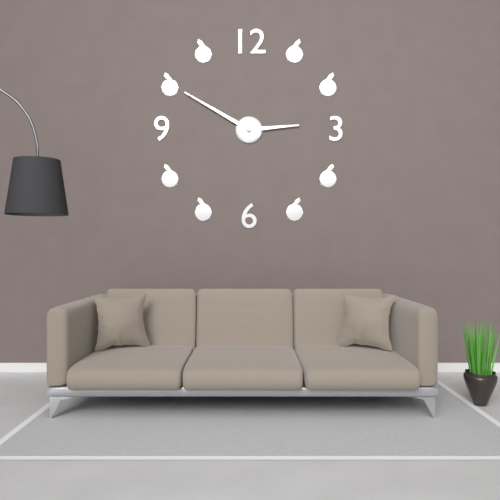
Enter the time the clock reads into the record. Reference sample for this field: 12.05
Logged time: 2.50
